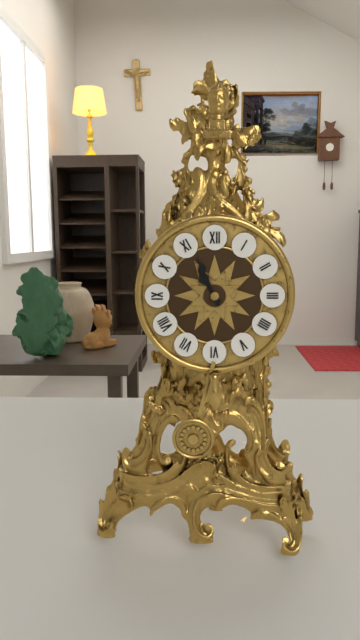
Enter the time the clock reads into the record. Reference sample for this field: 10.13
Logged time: 10.56
